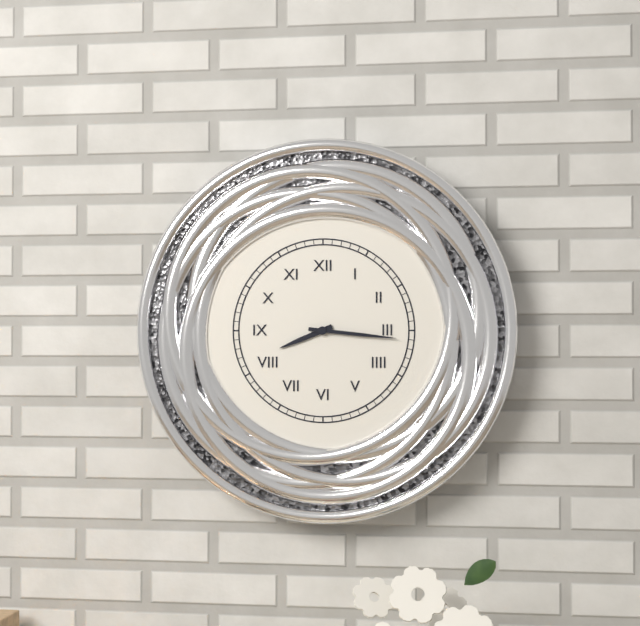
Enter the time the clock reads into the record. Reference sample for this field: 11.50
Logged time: 8.16
